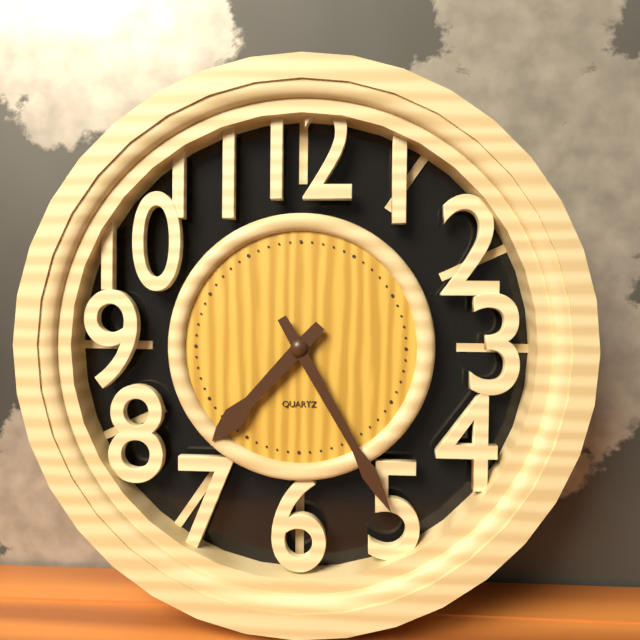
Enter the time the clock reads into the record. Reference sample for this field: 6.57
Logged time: 7.25
